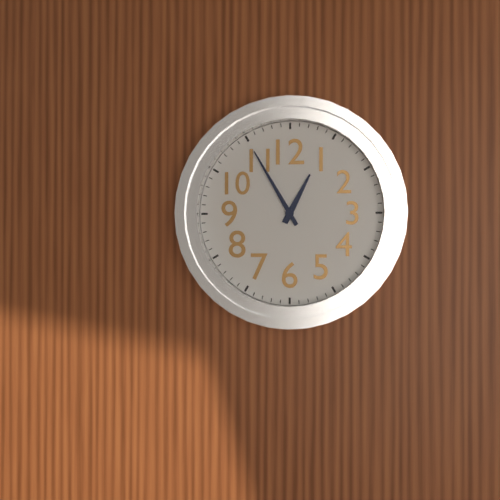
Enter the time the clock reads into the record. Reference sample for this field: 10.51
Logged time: 12.55
